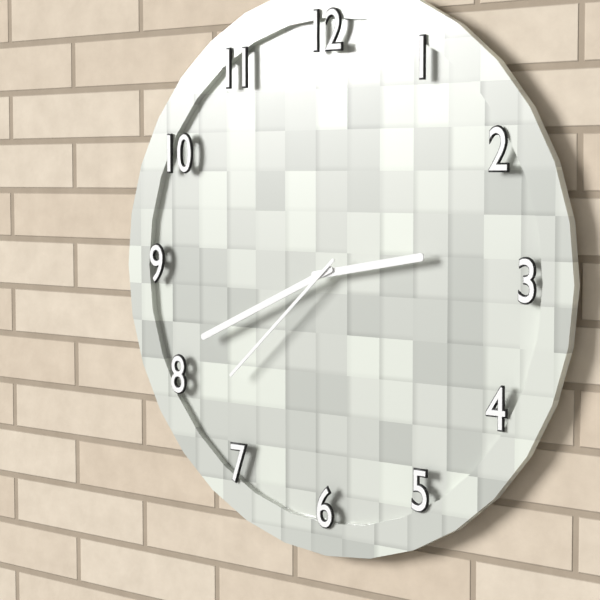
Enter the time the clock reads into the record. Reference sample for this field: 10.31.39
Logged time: 2.41.38
